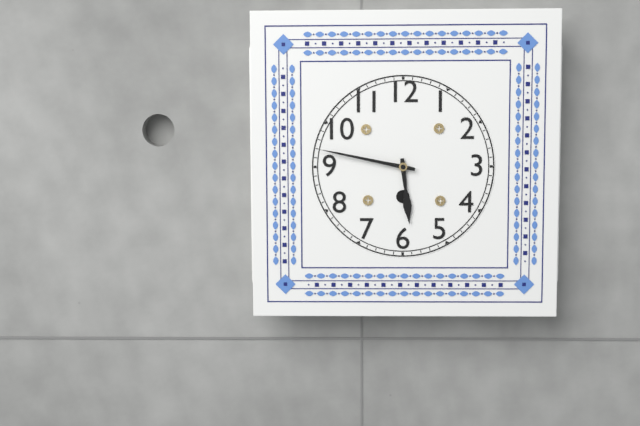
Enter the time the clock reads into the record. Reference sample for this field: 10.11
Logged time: 5.47
